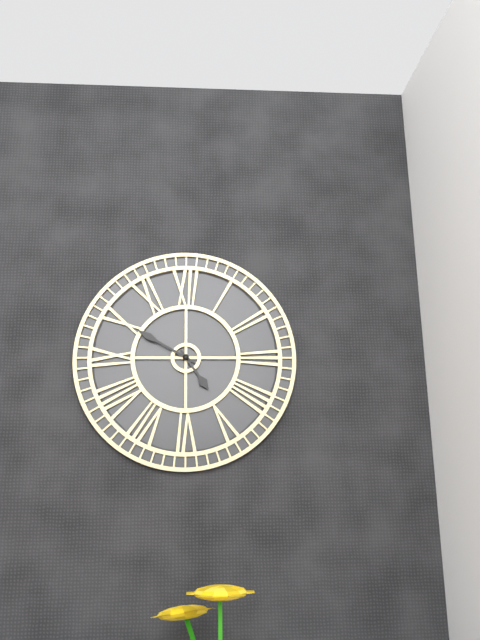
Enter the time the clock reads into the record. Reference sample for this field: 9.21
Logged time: 4.50
